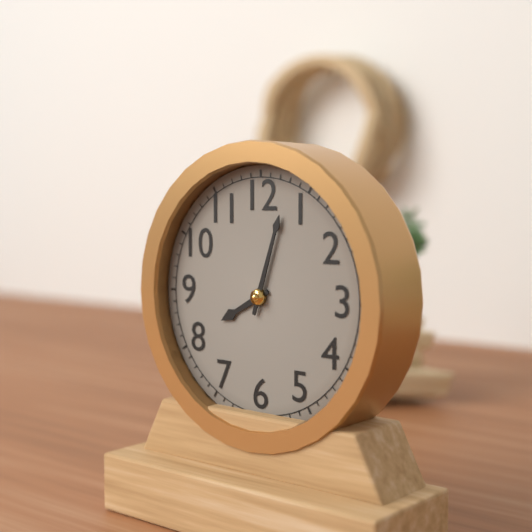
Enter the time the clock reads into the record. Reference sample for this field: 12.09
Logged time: 8.03
